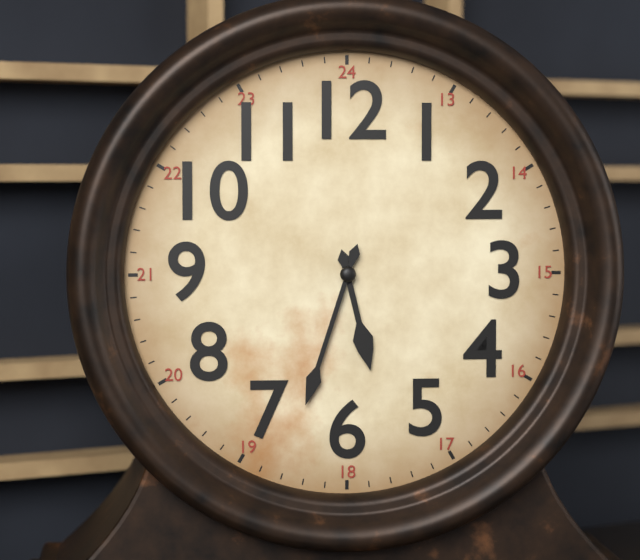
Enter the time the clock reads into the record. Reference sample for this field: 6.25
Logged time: 5.33
